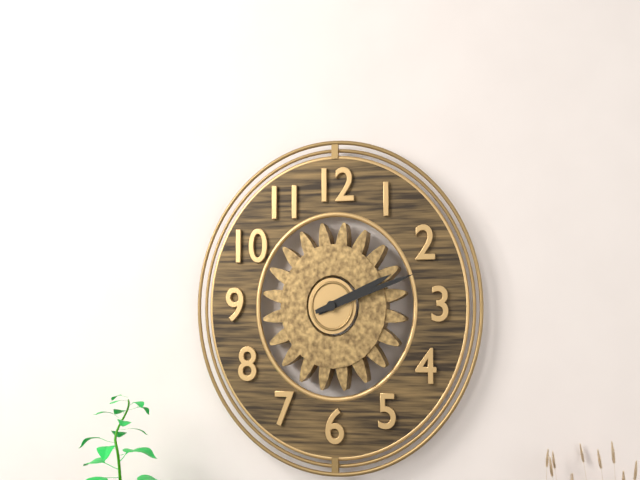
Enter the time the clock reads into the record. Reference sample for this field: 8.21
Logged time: 2.12
